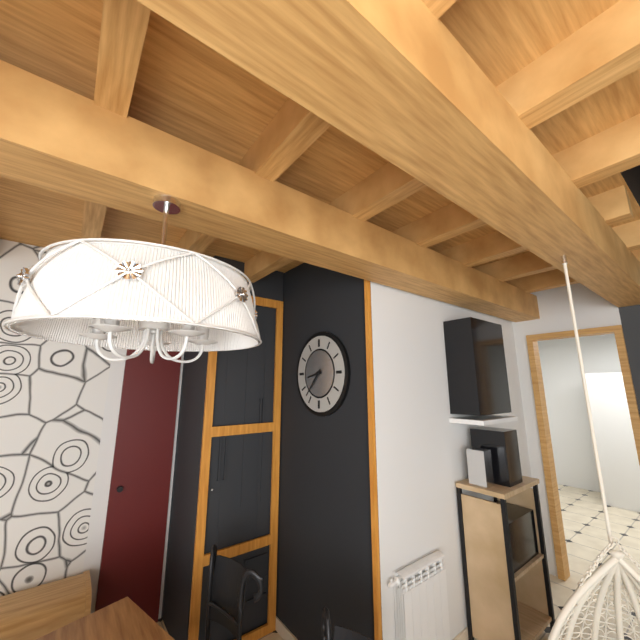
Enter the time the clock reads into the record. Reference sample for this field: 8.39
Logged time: 8.37
